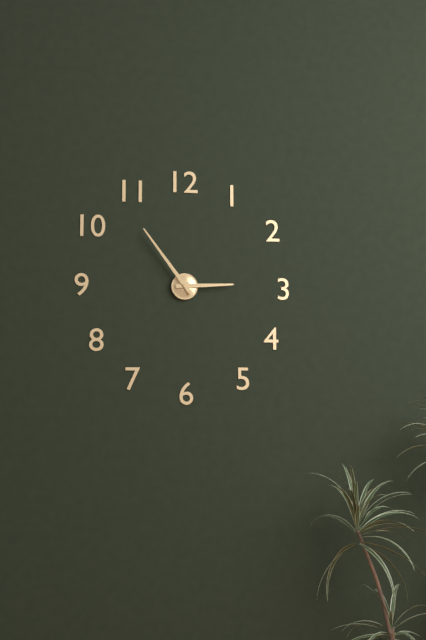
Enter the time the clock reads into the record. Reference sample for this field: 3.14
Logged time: 2.54
